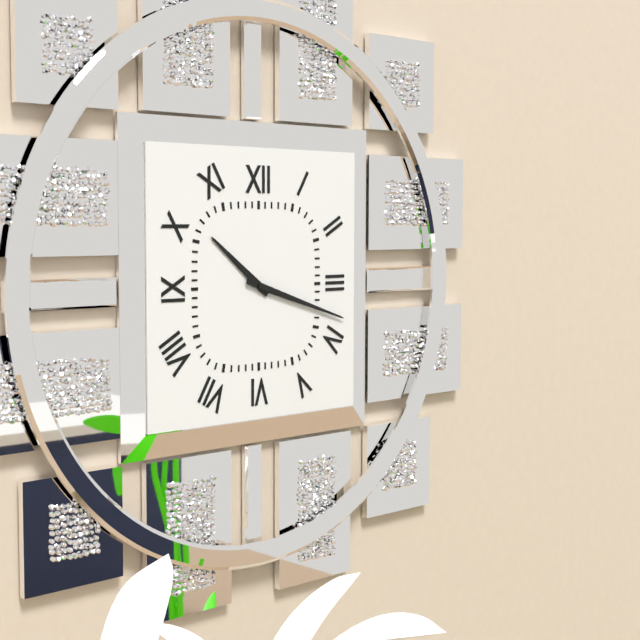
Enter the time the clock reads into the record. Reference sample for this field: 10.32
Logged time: 10.18
